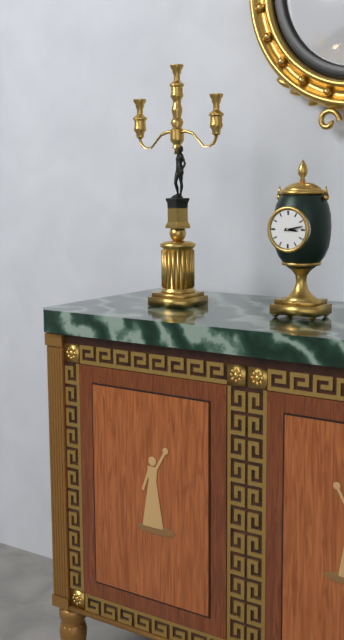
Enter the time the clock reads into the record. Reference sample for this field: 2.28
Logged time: 3.13
